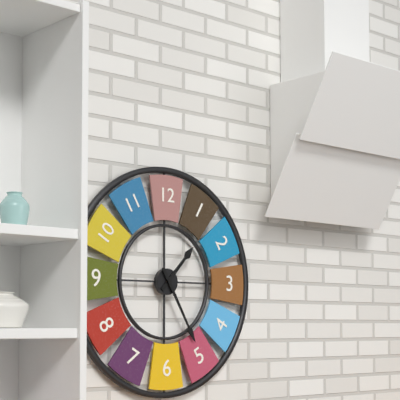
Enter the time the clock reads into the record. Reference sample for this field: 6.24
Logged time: 1.25
